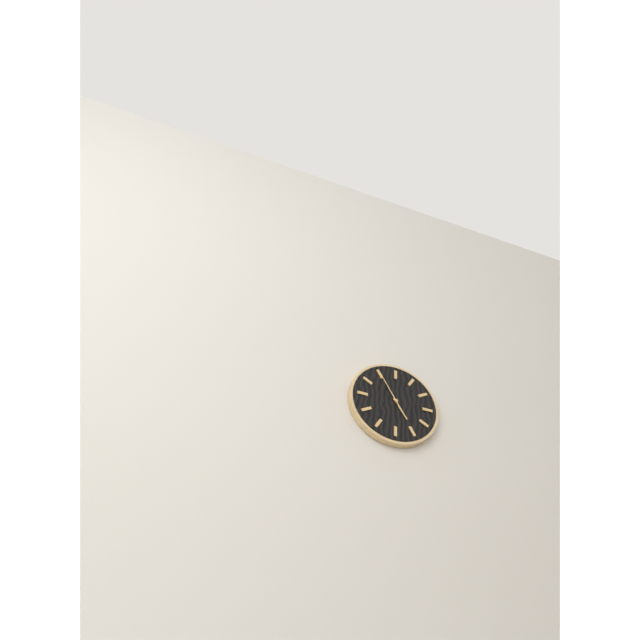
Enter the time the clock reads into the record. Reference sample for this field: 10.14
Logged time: 4.55
